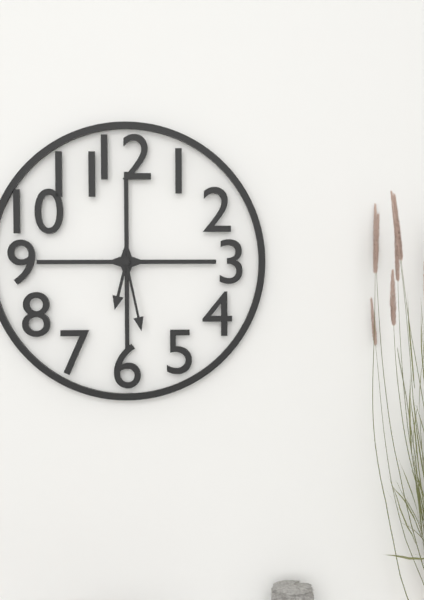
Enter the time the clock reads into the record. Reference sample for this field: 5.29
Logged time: 6.28
